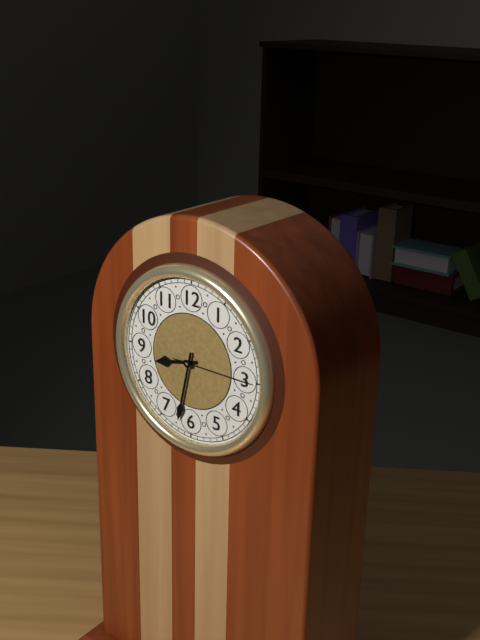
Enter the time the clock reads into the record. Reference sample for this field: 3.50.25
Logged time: 8.32.15
